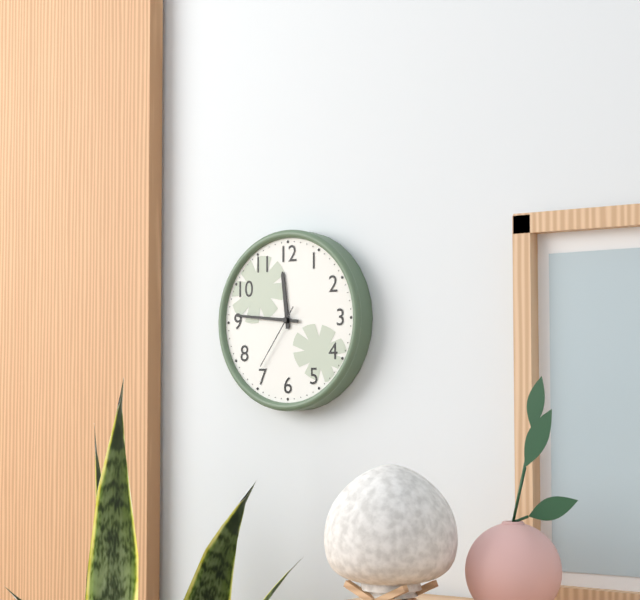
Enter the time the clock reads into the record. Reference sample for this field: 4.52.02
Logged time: 11.46.36
